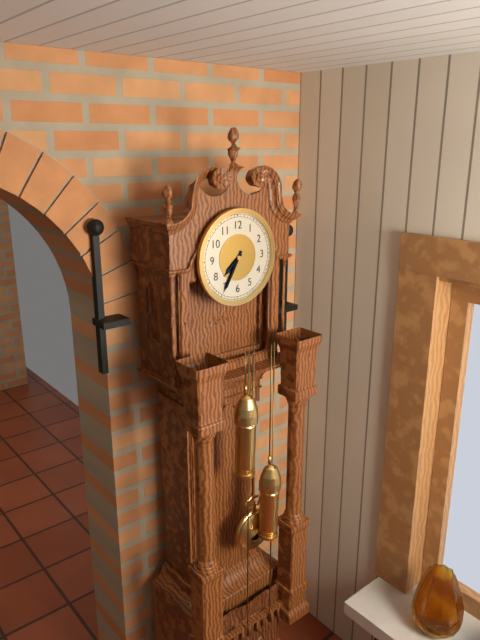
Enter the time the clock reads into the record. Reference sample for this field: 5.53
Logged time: 7.35
